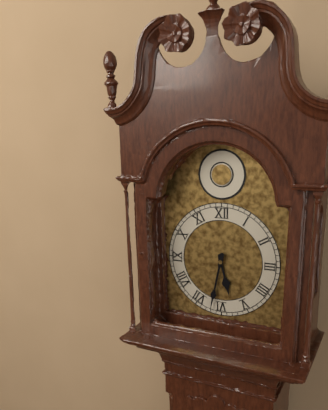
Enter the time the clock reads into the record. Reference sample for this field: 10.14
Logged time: 5.32
